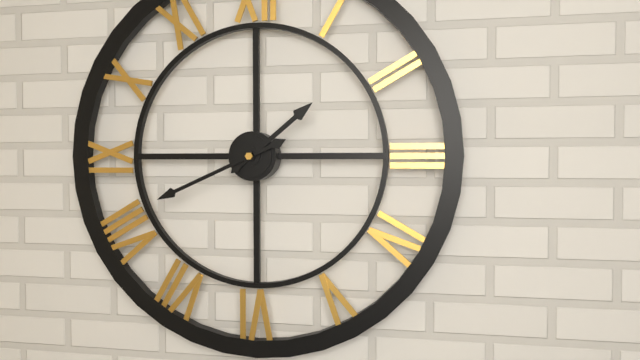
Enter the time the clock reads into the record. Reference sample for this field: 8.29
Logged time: 1.41
